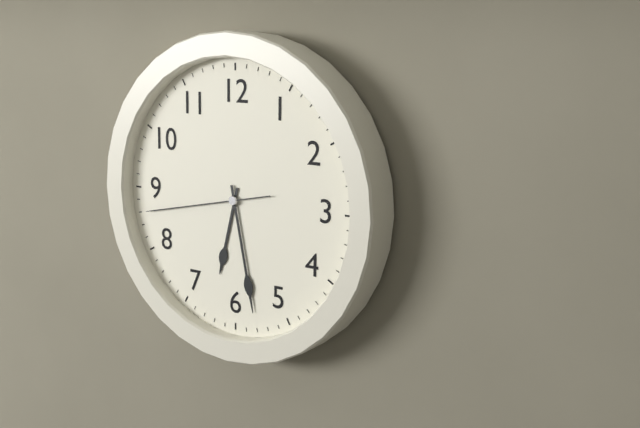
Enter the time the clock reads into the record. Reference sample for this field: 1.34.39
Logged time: 6.28.43
